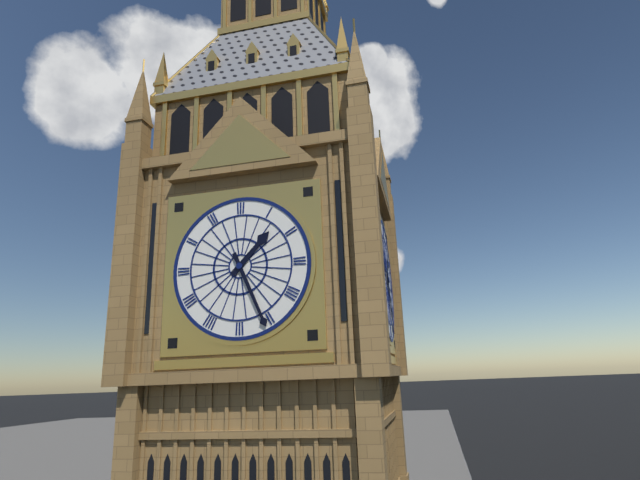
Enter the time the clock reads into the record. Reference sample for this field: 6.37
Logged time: 1.26
